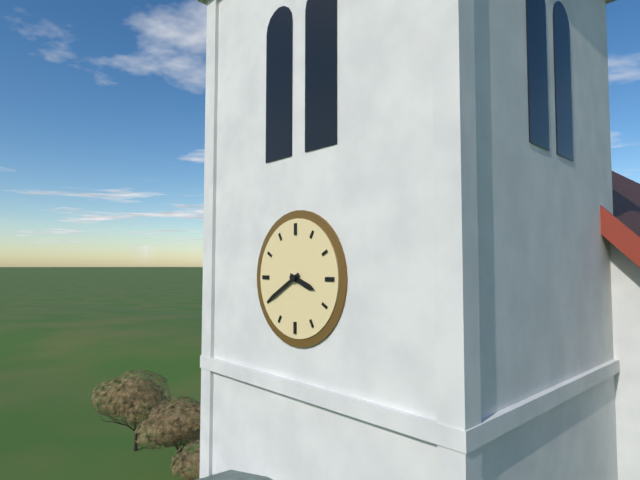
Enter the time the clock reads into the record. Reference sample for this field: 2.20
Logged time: 3.40
